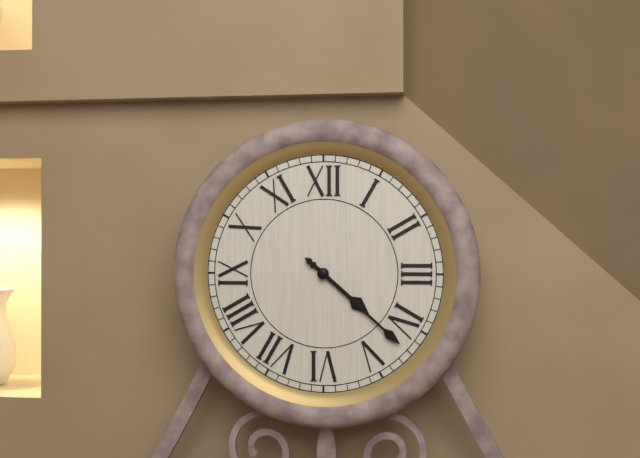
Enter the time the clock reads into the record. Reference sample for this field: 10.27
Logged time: 4.22
